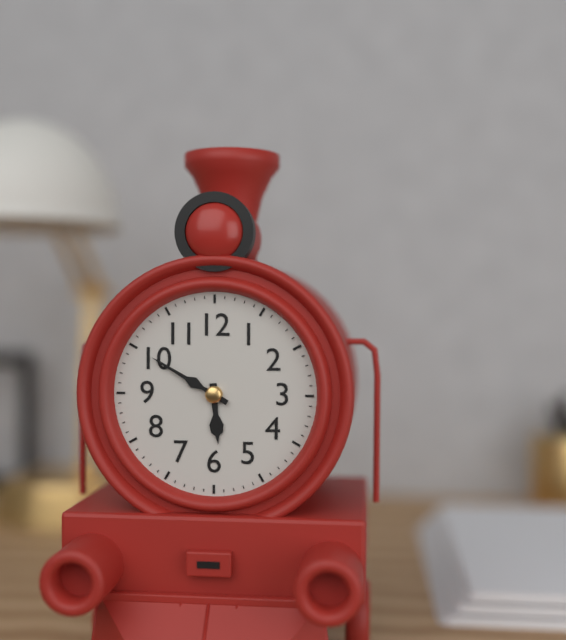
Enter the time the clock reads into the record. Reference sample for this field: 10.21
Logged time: 5.50
